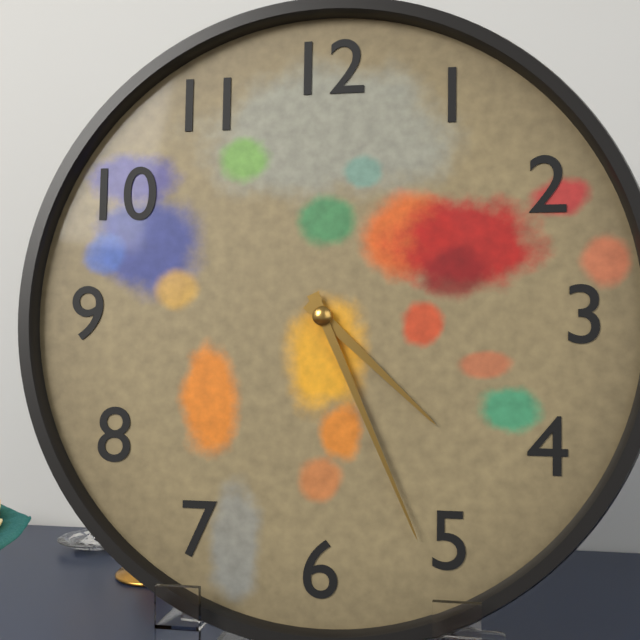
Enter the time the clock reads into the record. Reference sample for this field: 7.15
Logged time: 4.26
